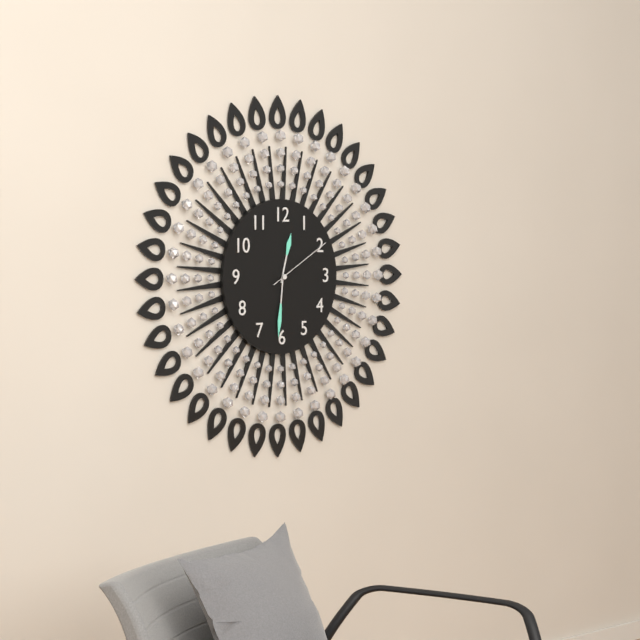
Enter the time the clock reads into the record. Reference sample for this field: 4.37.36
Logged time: 12.31.10
